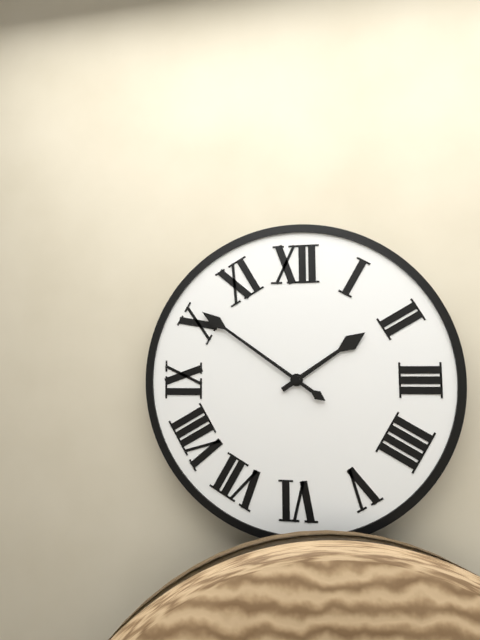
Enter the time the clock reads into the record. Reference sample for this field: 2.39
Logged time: 1.51
